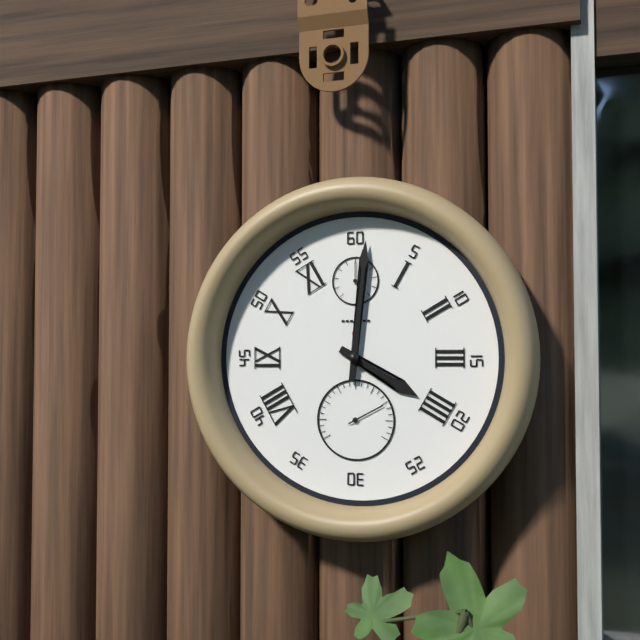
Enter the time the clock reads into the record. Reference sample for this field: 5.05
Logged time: 4.01
